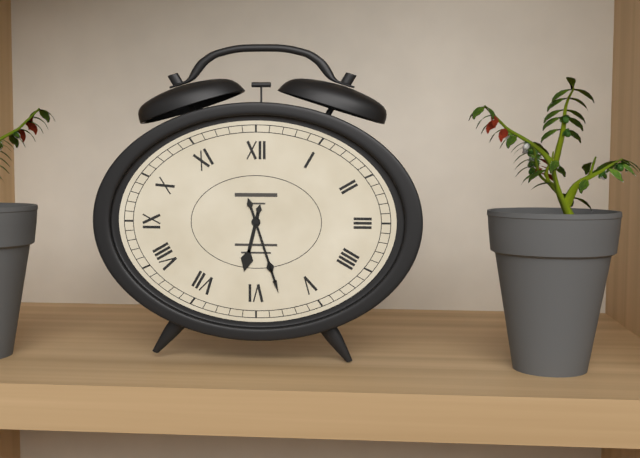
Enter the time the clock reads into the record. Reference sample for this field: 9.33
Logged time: 6.27
